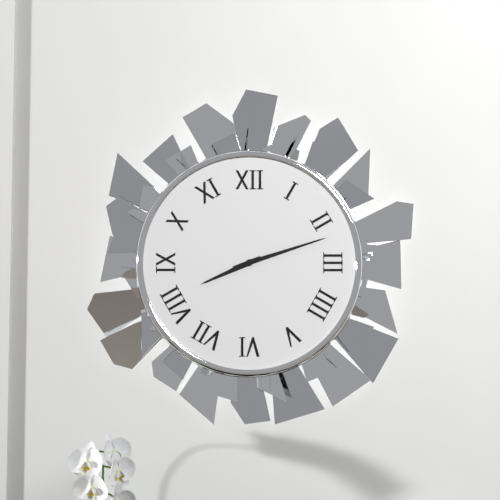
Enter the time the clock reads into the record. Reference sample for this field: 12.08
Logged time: 8.12
